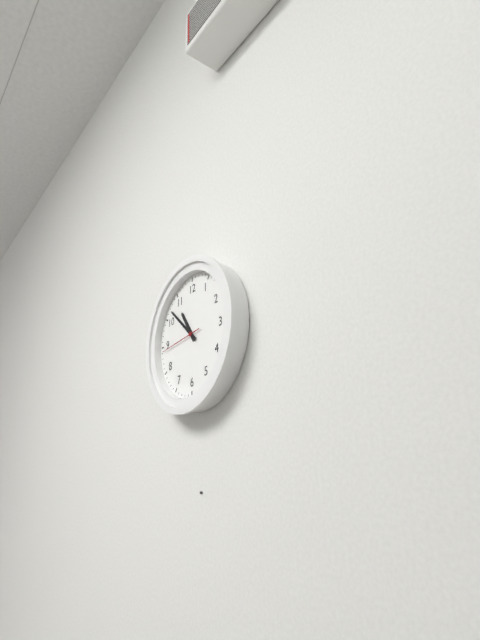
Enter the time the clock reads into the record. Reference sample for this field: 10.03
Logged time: 10.52
